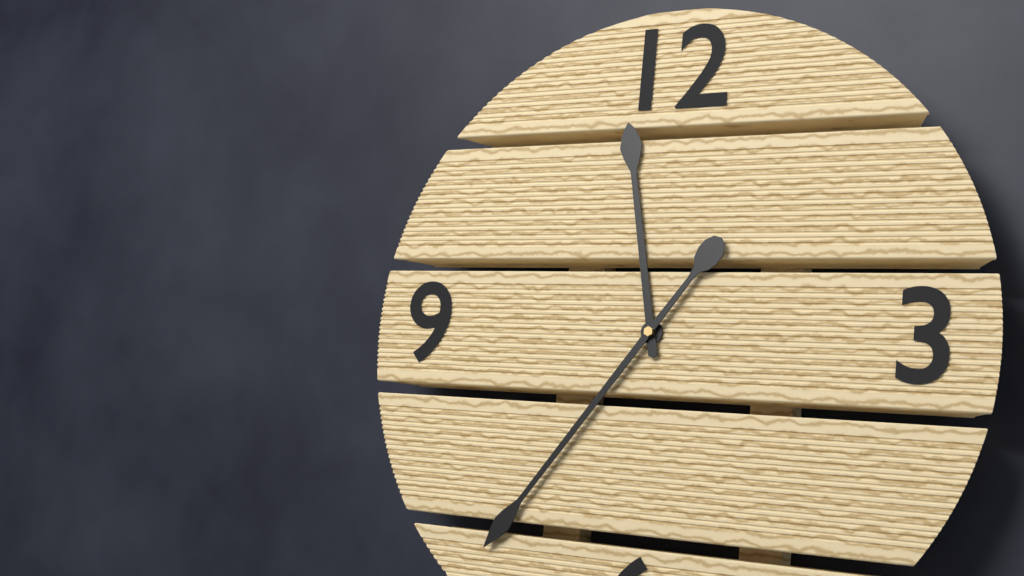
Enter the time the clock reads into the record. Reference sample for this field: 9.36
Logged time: 11.36
